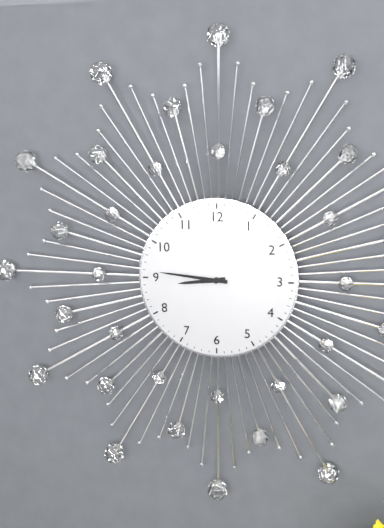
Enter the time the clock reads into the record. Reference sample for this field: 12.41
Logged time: 8.46
